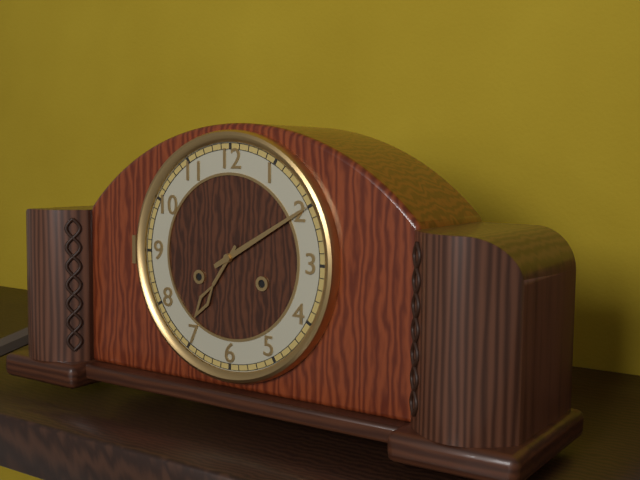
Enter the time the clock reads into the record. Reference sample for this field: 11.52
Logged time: 7.10
